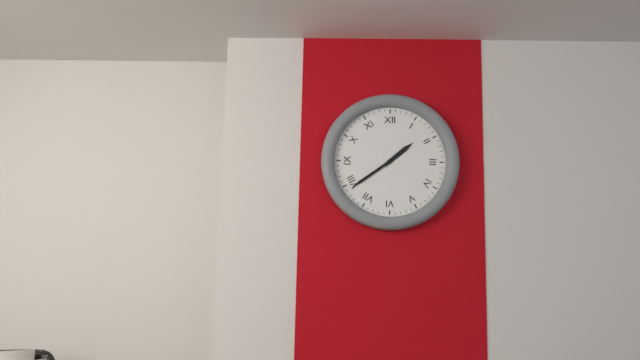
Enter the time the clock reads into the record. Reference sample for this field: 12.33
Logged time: 1.39
